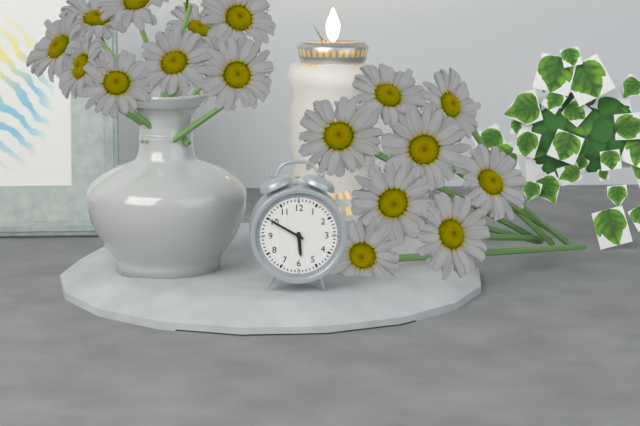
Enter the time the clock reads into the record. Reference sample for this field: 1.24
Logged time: 5.50
